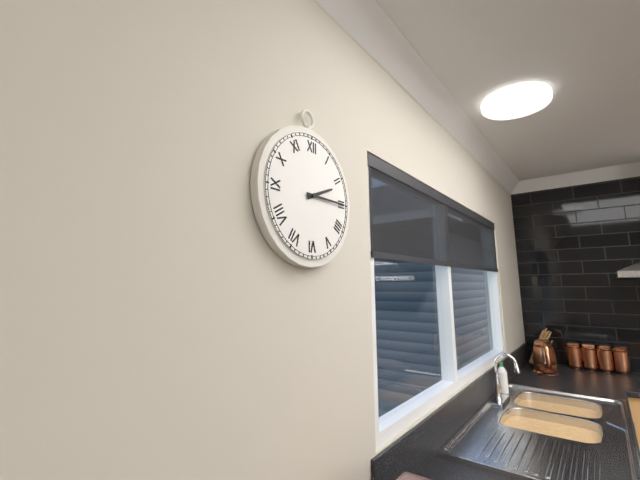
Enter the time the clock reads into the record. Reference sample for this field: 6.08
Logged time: 2.15
